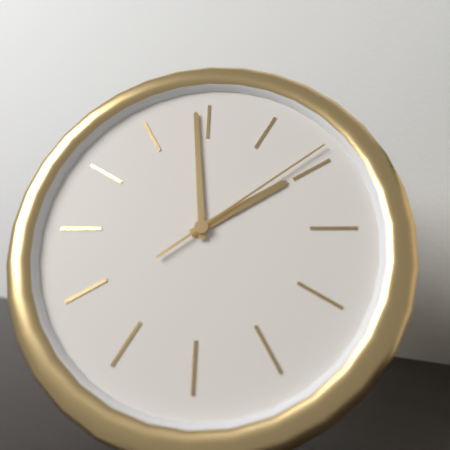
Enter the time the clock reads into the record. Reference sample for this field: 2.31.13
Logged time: 1.59.09
